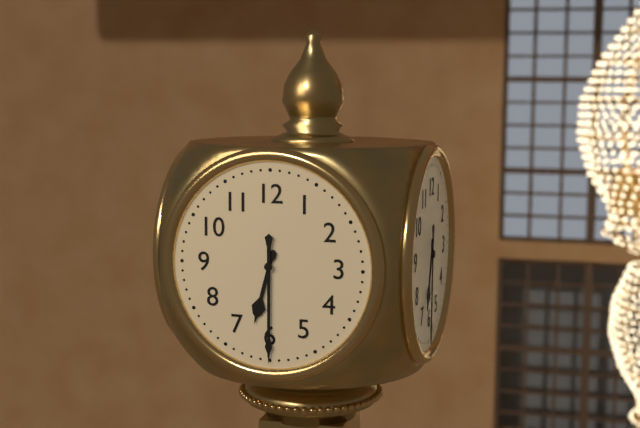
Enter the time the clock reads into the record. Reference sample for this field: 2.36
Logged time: 6.30
